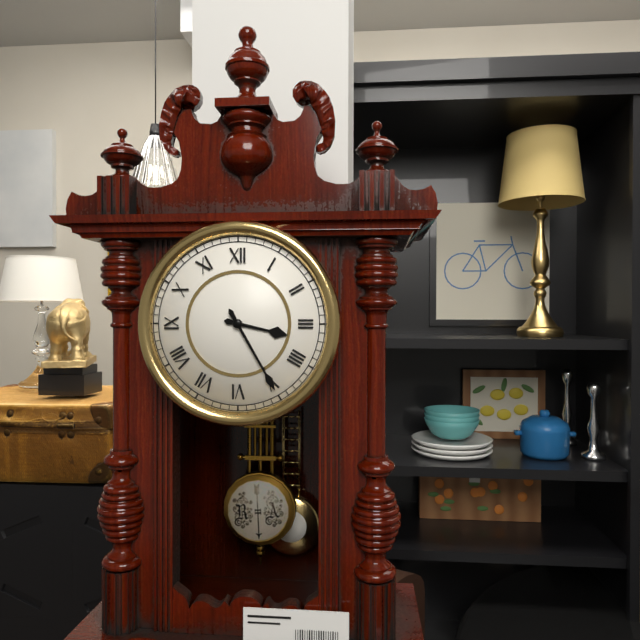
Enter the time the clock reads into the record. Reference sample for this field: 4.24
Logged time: 3.25
